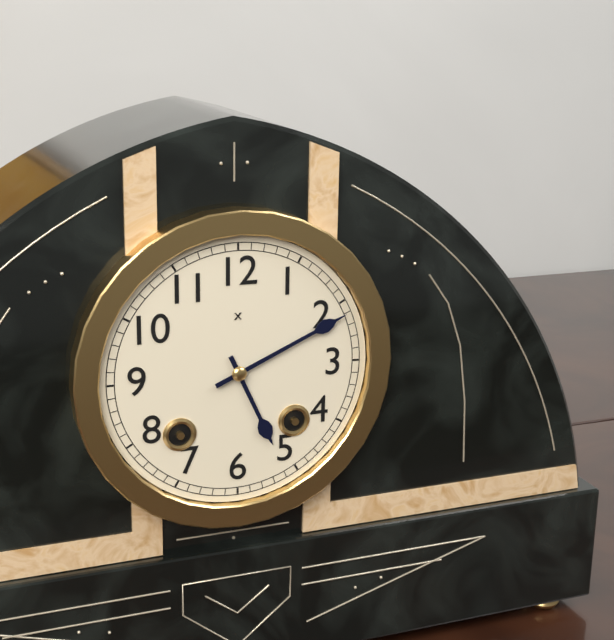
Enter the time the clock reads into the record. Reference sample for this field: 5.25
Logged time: 5.11
